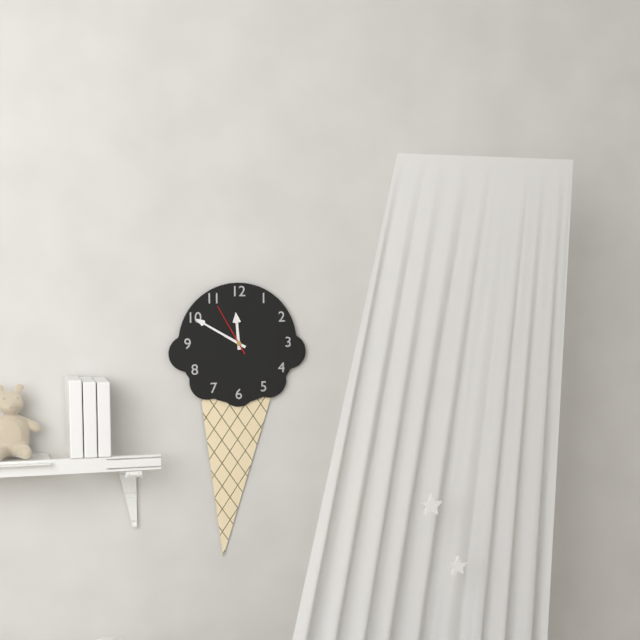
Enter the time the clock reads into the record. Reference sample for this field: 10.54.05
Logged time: 11.50.55
